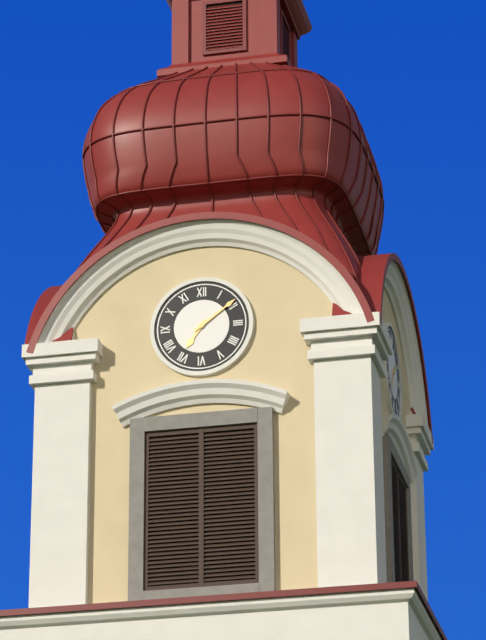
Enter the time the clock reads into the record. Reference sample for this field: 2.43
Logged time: 7.09
